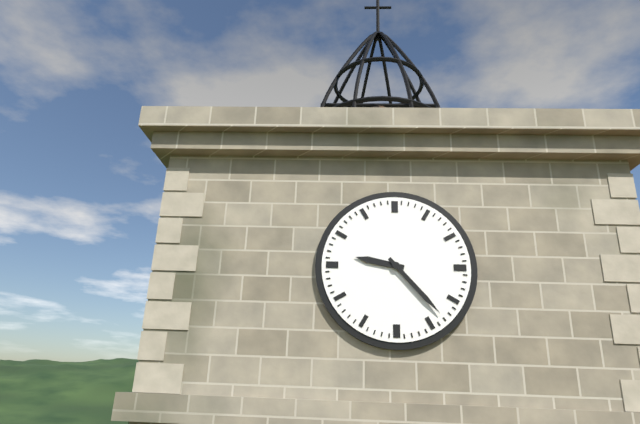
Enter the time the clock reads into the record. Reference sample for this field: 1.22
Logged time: 9.23
